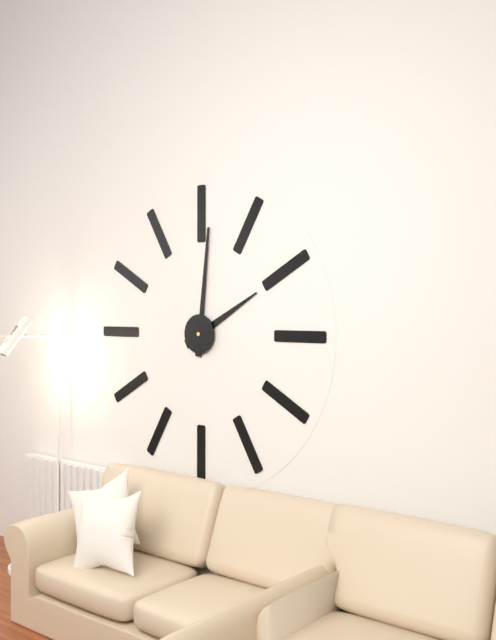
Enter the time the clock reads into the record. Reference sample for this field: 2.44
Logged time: 2.01
